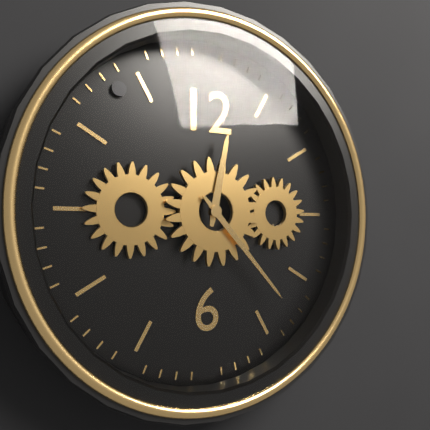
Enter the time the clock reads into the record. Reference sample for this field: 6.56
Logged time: 12.23
